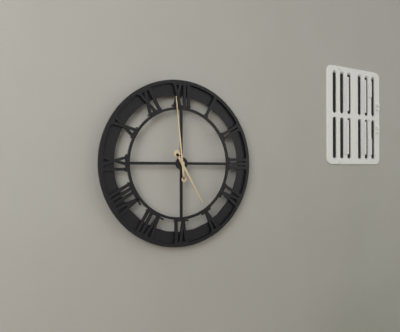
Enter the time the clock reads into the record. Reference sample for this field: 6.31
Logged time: 4.59
